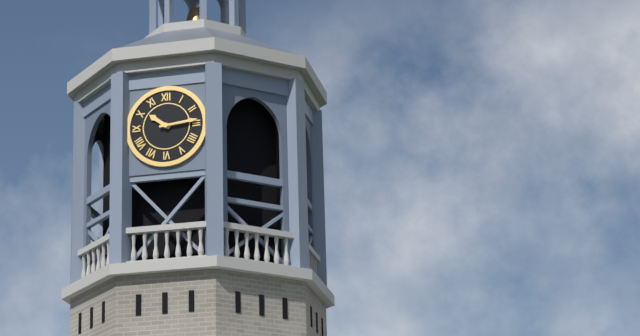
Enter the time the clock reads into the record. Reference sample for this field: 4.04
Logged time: 10.14
